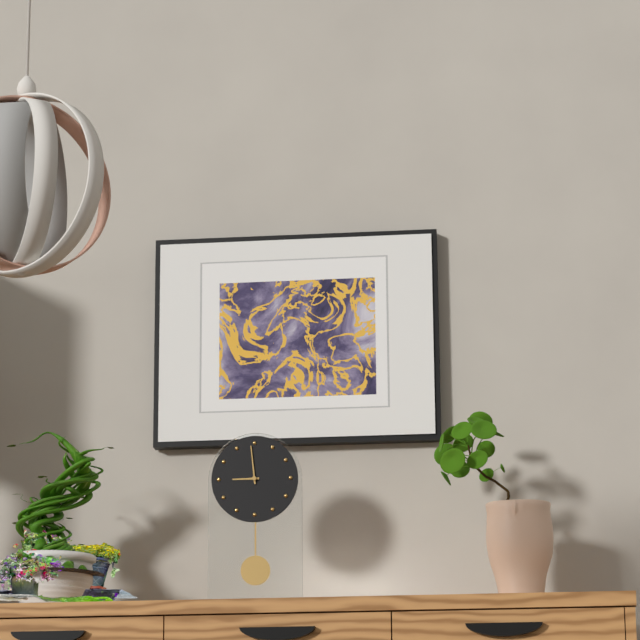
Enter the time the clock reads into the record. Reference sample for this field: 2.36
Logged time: 8.59
